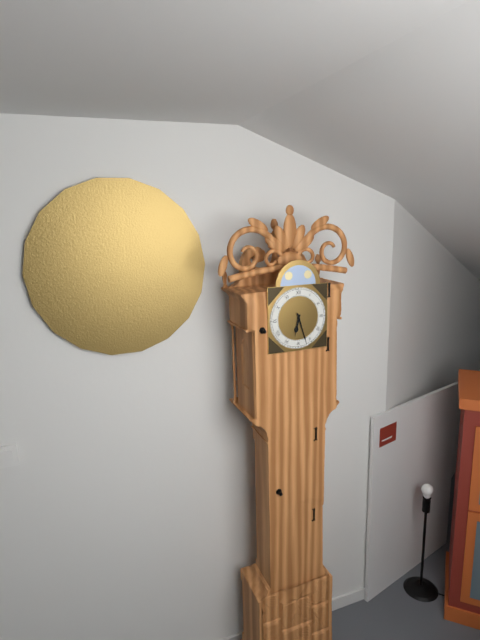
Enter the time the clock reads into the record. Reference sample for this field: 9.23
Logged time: 6.27
